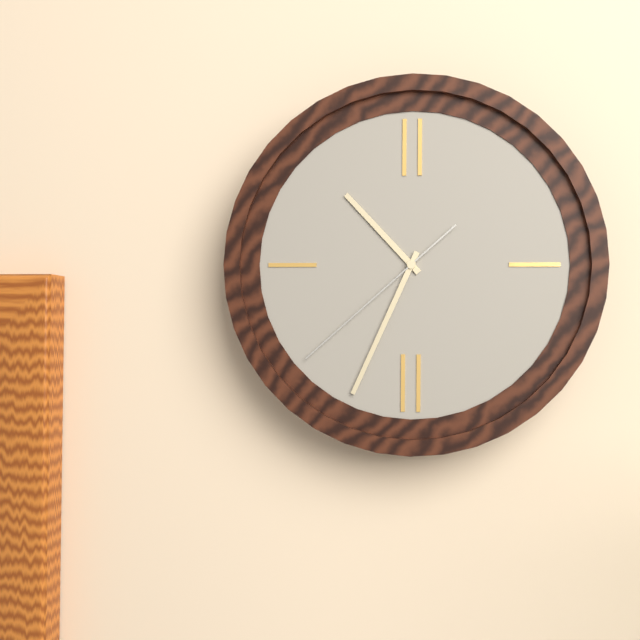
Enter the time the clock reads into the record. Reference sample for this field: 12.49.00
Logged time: 10.34.38
